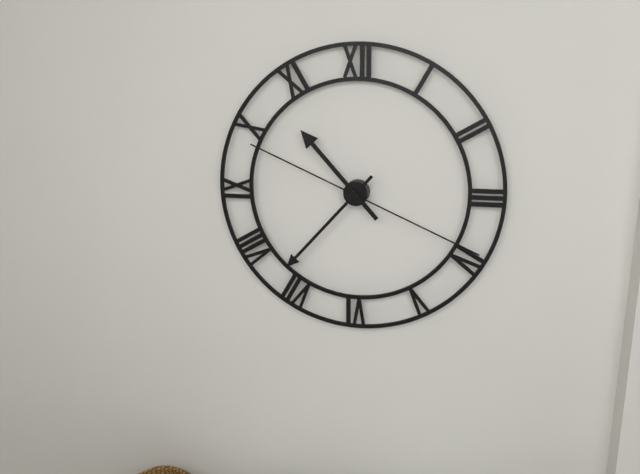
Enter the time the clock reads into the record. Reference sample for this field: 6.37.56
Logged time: 10.37.19
